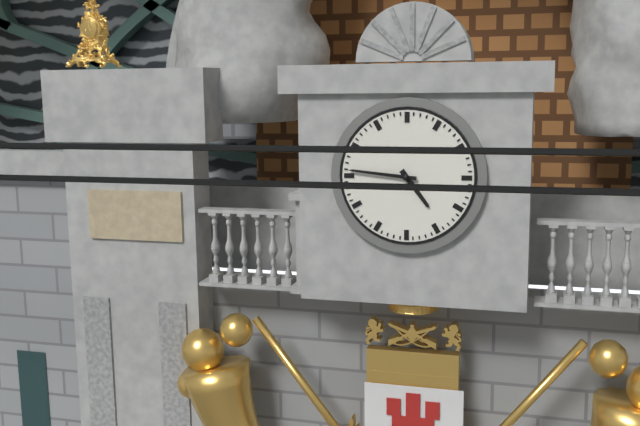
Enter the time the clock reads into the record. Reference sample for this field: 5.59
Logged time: 4.46
